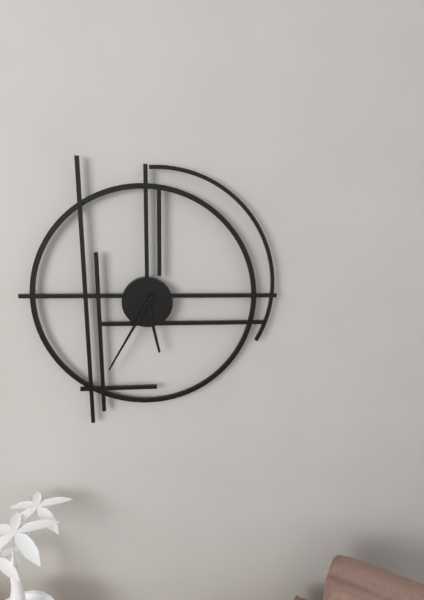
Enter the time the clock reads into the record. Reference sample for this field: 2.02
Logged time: 5.35
